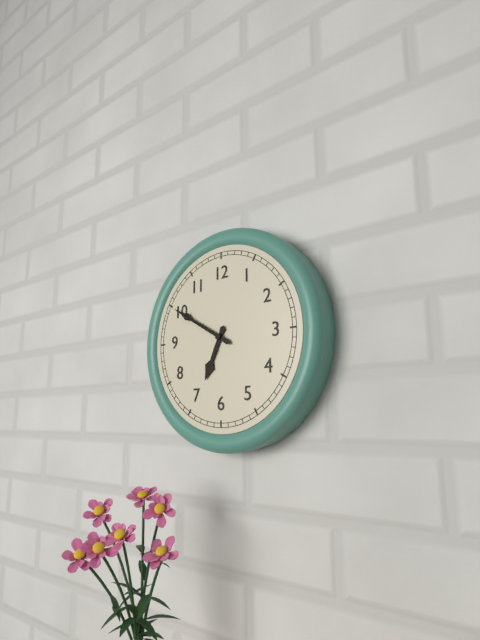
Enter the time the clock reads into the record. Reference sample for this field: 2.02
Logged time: 6.50
